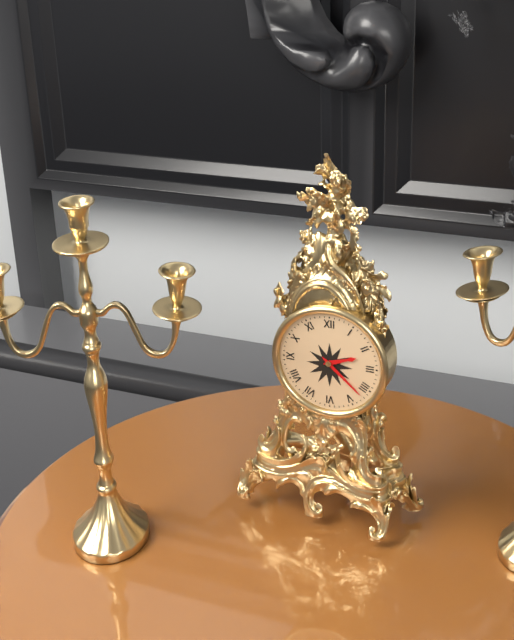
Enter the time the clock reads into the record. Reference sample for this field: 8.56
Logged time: 2.22
